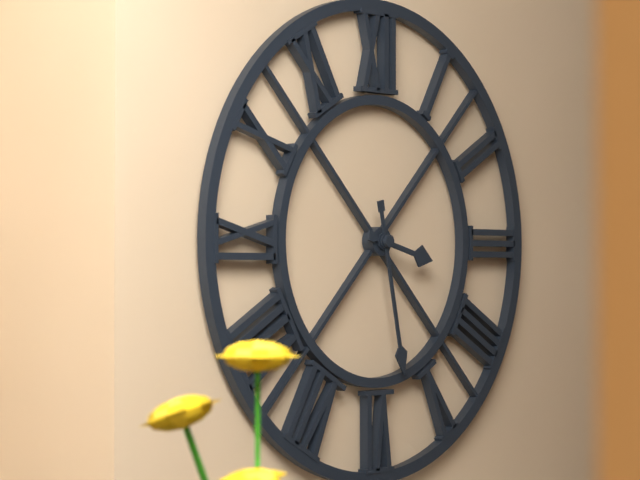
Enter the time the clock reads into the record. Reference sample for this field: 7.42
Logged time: 3.28
